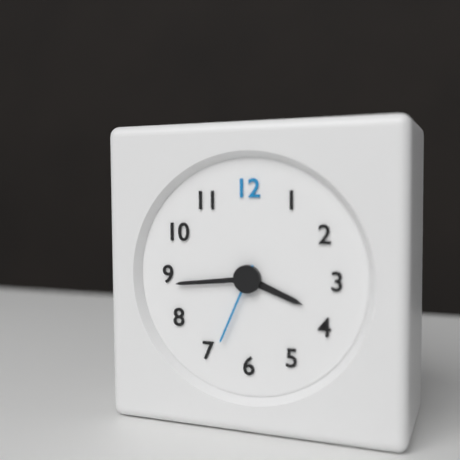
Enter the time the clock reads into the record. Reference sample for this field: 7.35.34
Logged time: 3.44.34
